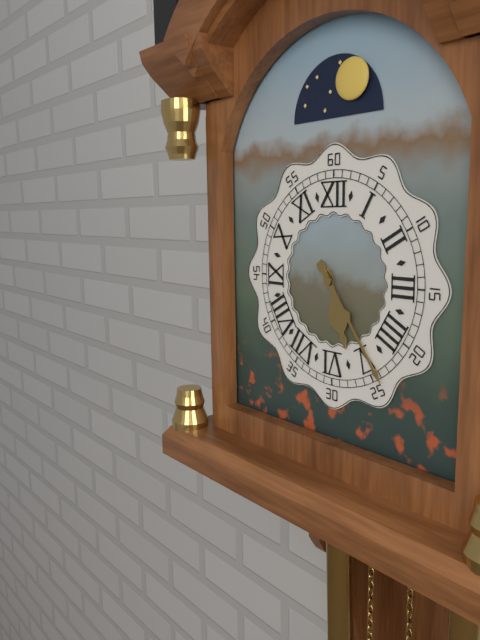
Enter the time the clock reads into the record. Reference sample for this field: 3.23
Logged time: 5.24
